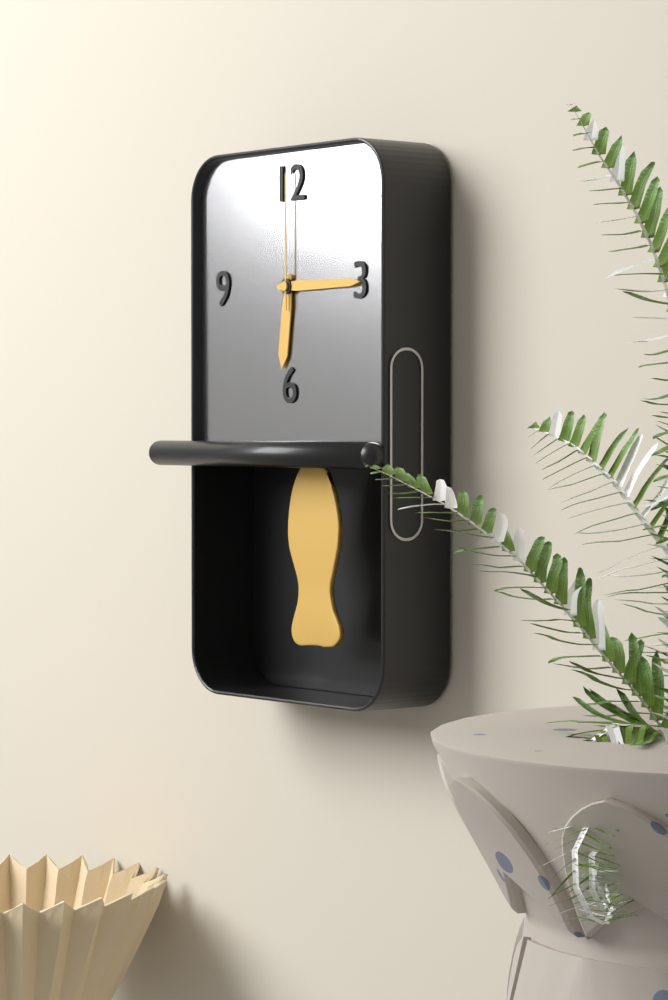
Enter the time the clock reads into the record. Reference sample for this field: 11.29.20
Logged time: 6.15.00
